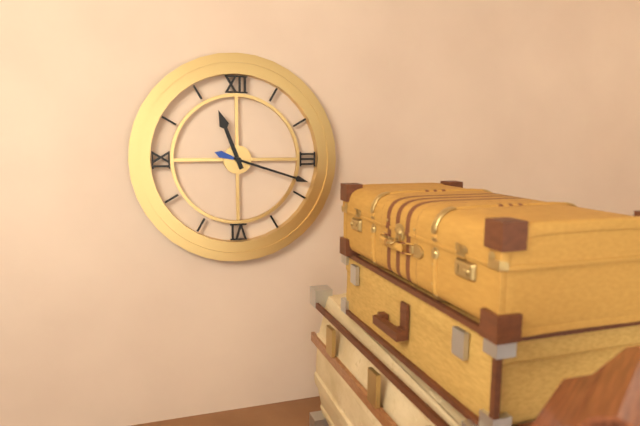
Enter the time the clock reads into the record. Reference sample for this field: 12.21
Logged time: 11.18
